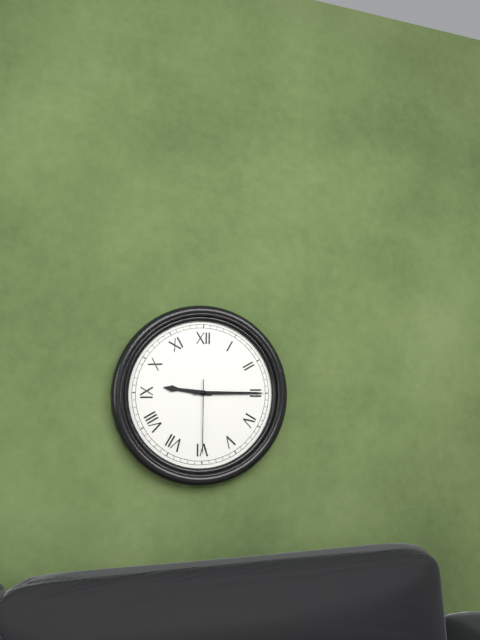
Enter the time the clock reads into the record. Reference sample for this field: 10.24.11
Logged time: 9.15.30
